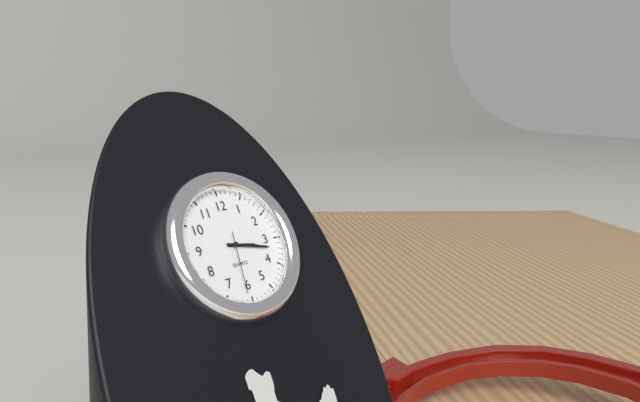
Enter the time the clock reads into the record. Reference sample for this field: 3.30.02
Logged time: 3.17.31
